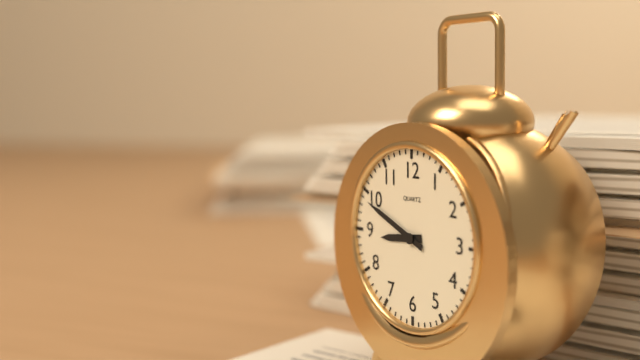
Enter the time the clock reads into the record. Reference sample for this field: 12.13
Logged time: 8.49
